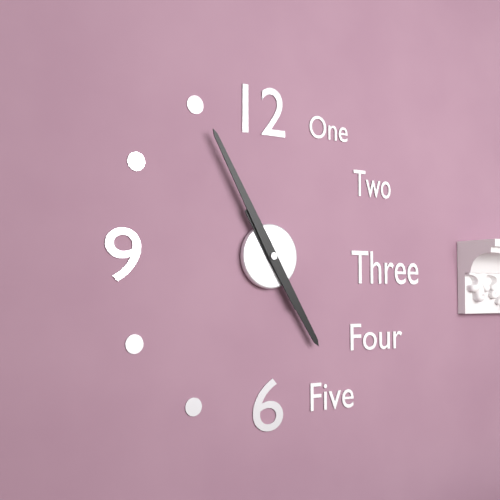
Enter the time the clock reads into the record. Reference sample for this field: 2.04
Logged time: 4.55
